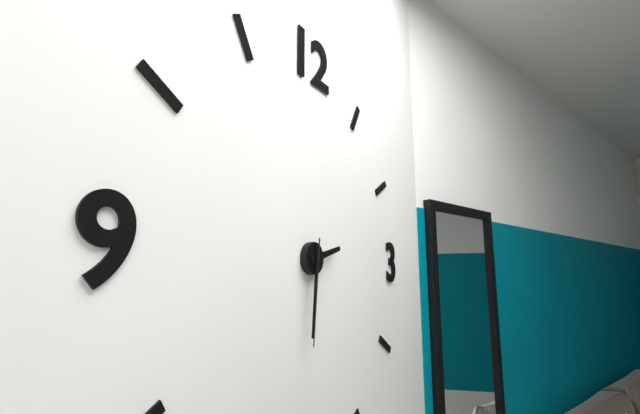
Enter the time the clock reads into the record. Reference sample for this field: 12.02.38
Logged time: 2.31.31
